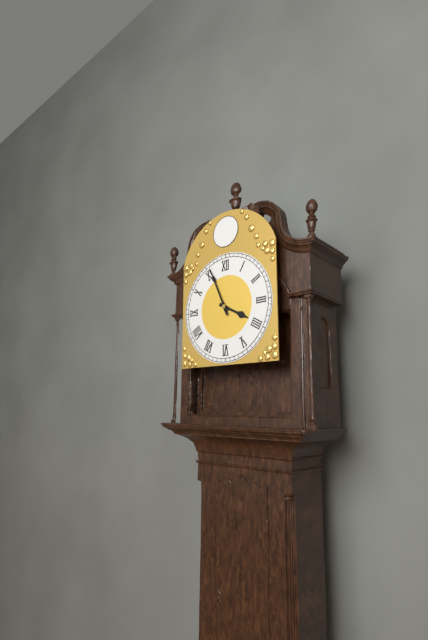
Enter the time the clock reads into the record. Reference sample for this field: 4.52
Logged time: 3.56
